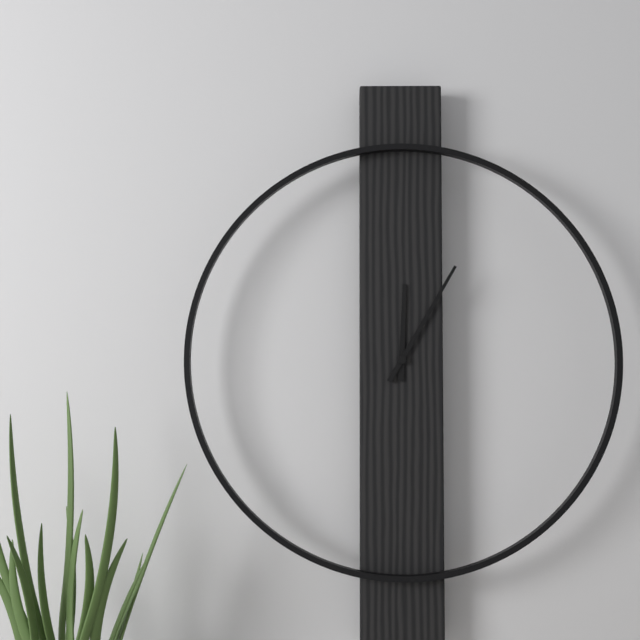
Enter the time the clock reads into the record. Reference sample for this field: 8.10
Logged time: 12.05
